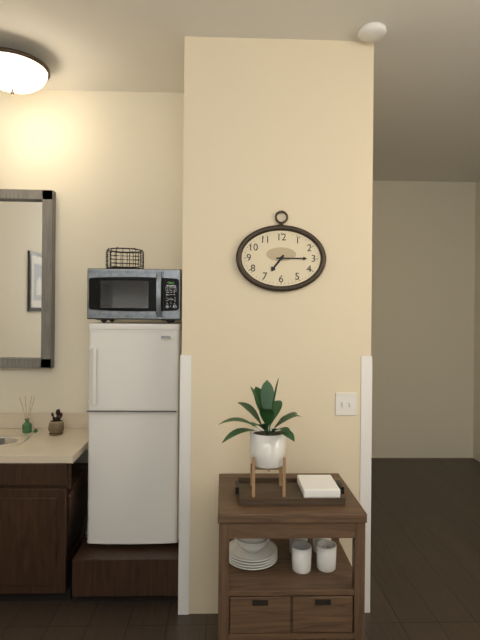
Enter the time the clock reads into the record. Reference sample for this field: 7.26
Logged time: 7.15
